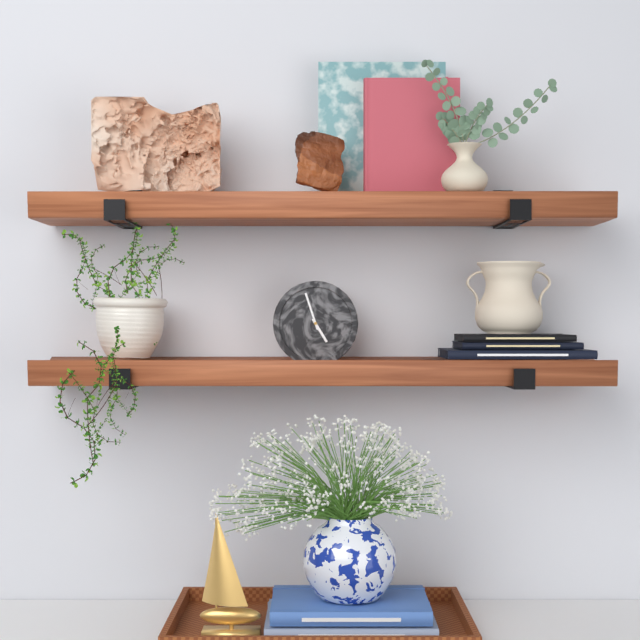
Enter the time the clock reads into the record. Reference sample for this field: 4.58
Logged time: 4.57
